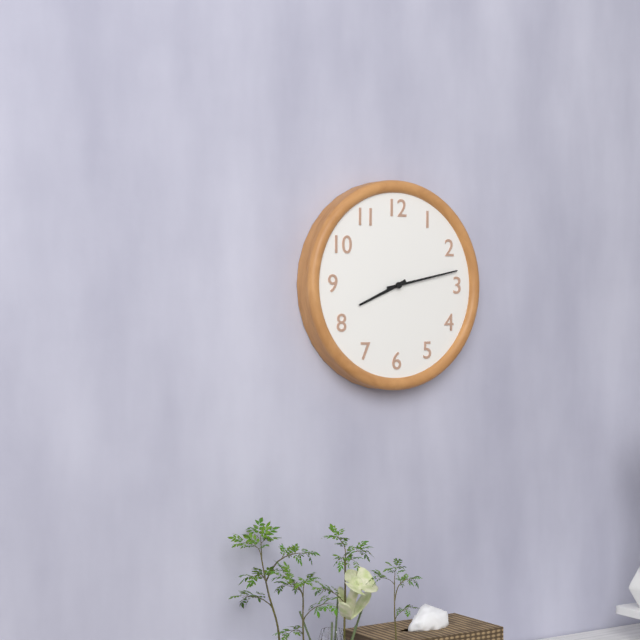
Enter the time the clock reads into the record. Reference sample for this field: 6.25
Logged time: 8.13
